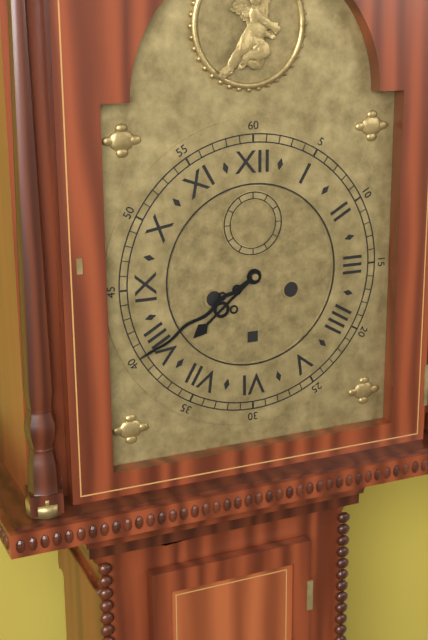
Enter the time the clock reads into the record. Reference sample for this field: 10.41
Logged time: 7.40
